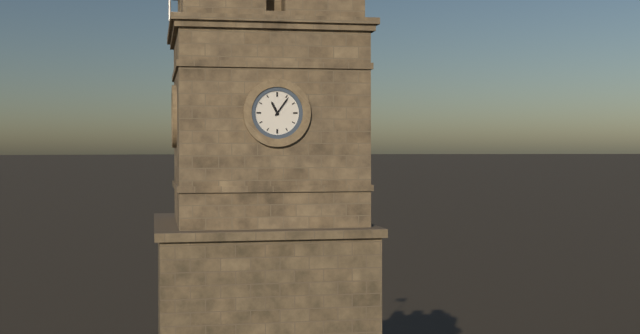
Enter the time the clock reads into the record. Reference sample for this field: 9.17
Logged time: 11.06
